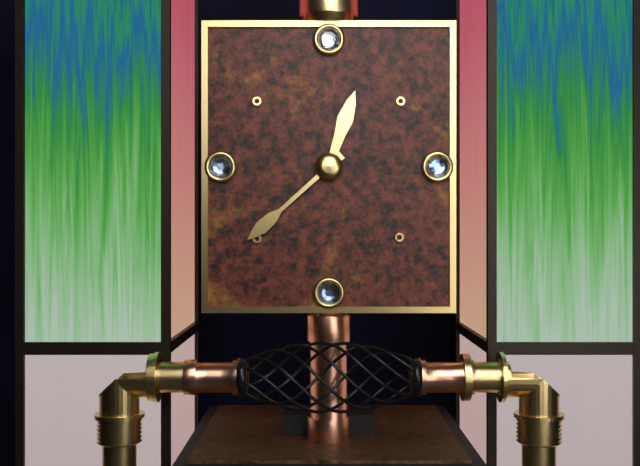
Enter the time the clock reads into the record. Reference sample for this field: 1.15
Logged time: 12.38
